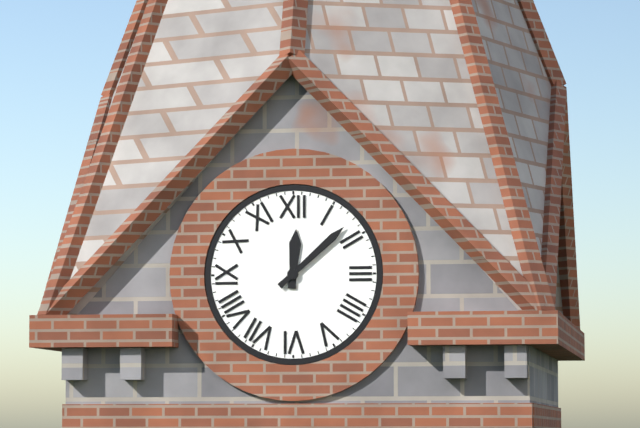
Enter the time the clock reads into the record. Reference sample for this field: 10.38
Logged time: 12.08
